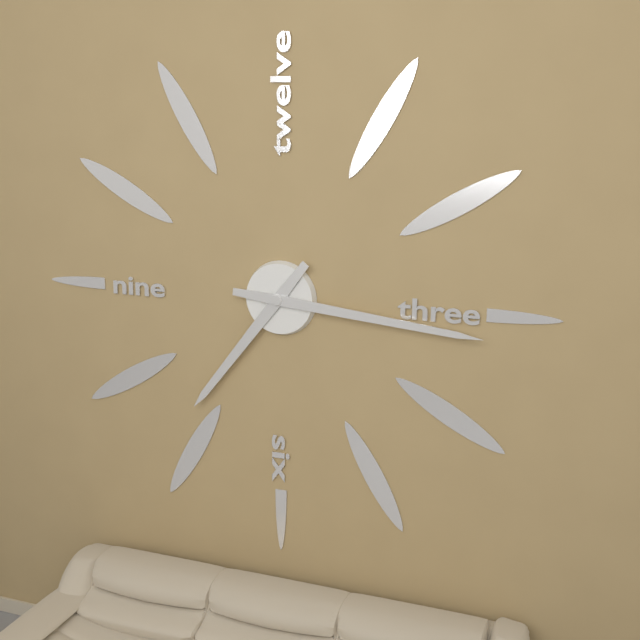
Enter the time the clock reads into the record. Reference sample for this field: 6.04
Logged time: 7.16
